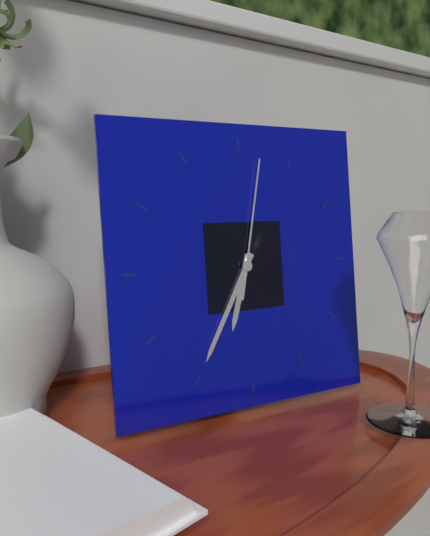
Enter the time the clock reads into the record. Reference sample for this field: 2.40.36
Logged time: 6.35.02
